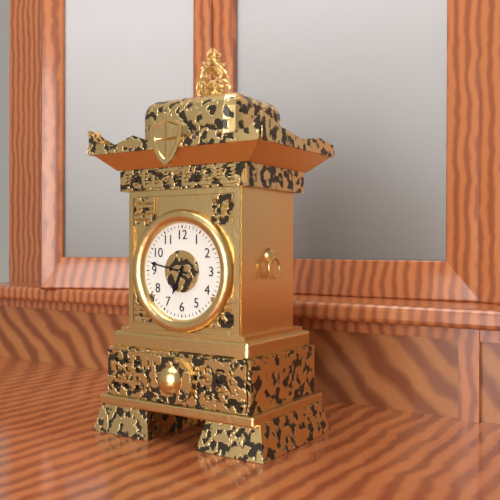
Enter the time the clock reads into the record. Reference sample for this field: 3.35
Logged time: 6.47
